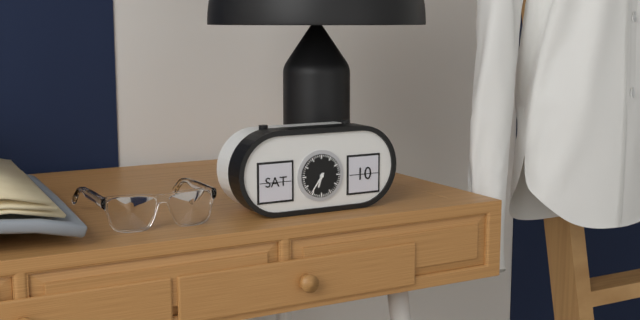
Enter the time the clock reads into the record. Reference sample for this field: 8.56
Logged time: 6.36
